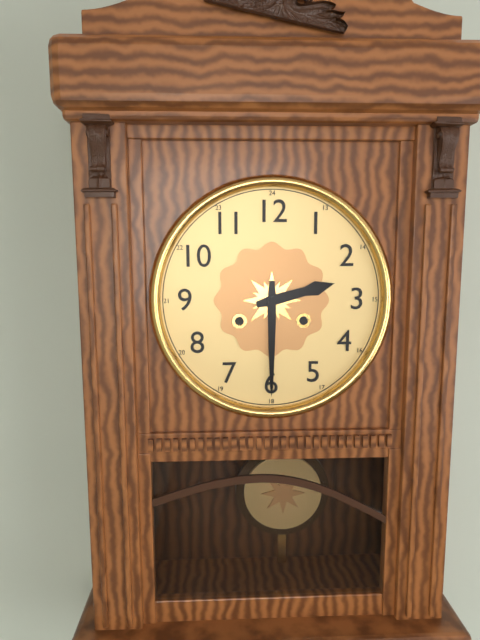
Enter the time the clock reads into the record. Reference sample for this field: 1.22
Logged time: 2.30
